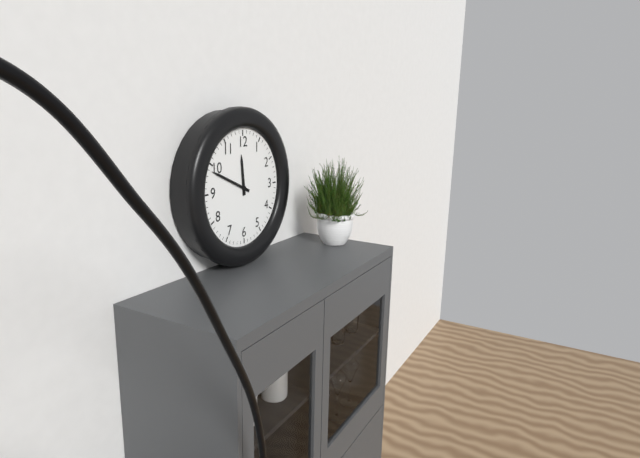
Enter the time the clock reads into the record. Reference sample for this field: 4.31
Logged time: 11.49
